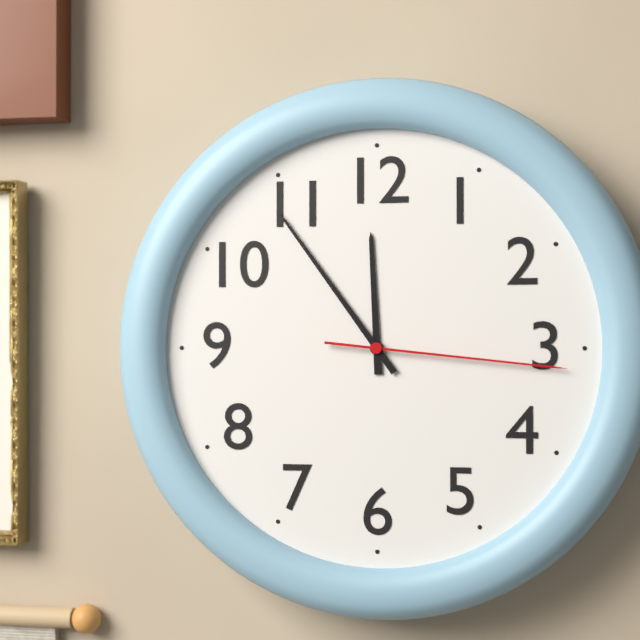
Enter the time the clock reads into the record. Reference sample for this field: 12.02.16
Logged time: 11.54.16
